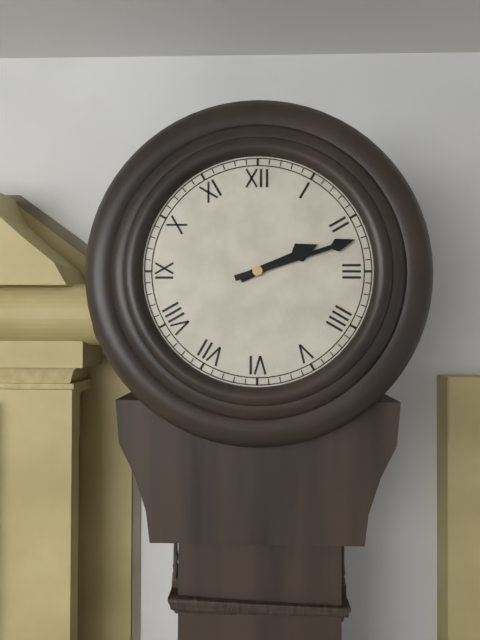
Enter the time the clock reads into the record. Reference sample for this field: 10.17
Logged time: 2.12
